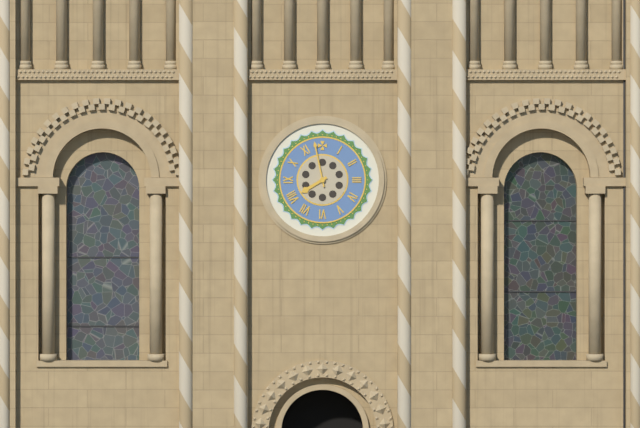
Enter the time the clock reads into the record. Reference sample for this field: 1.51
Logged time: 7.58
